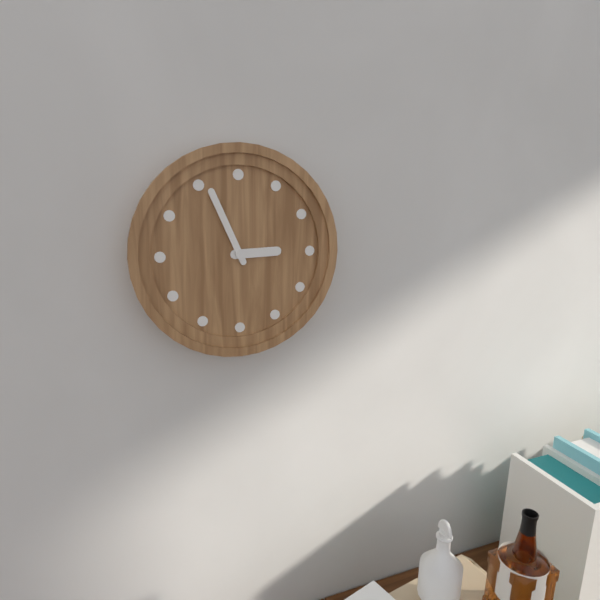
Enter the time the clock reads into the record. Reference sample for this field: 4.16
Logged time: 2.56
